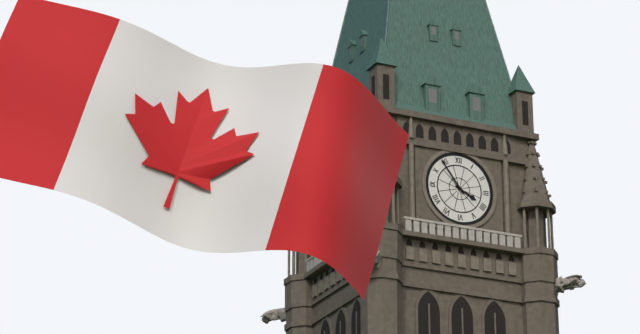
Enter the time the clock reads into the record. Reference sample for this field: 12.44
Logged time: 3.54
